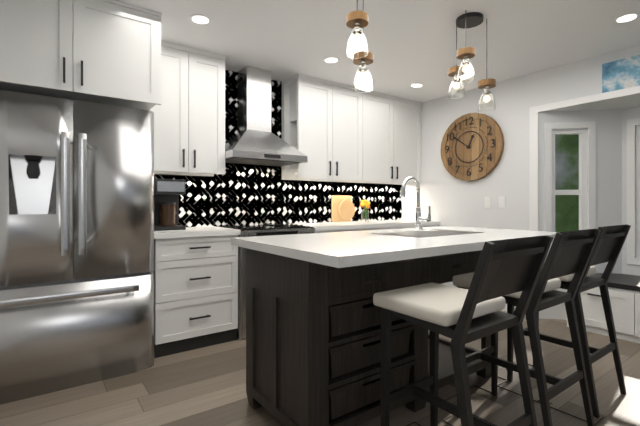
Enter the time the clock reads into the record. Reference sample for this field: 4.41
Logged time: 12.51
